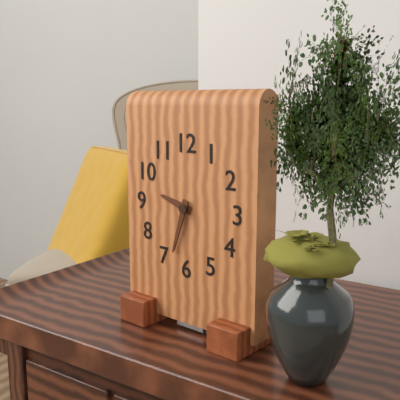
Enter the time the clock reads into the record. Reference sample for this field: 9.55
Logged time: 9.33
